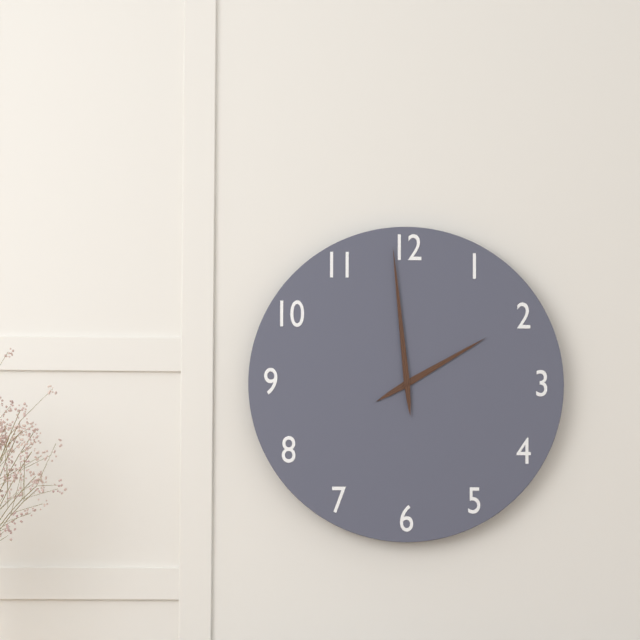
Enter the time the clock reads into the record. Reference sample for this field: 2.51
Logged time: 1.59
